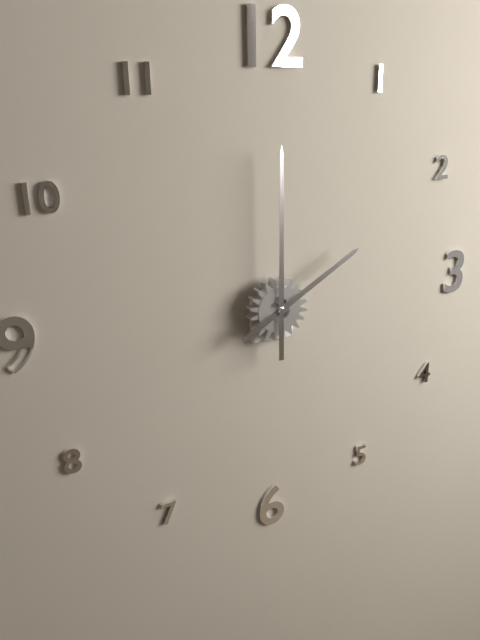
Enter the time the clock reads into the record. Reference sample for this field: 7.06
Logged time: 2.00
